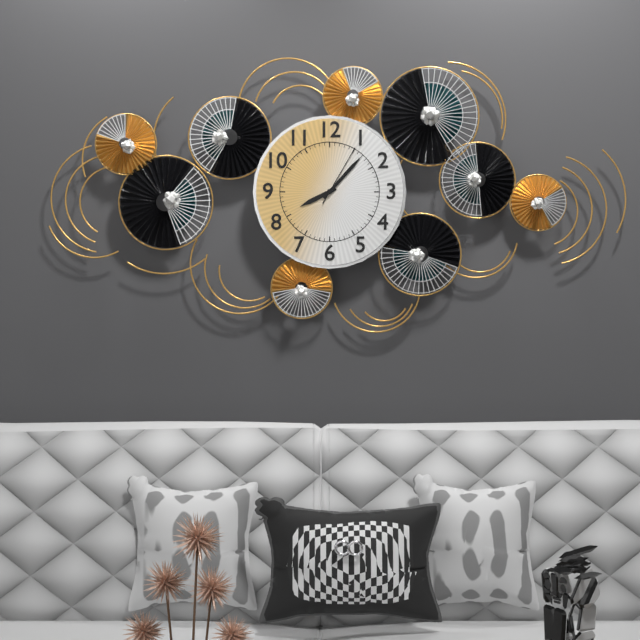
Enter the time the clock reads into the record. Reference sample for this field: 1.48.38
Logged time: 8.07.05
